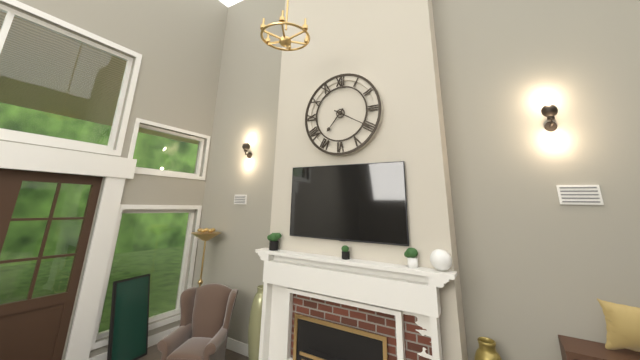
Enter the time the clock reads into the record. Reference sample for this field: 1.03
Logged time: 7.20
